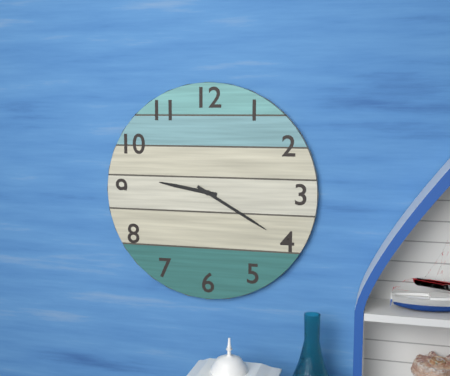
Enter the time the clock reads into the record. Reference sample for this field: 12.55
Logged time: 9.20
